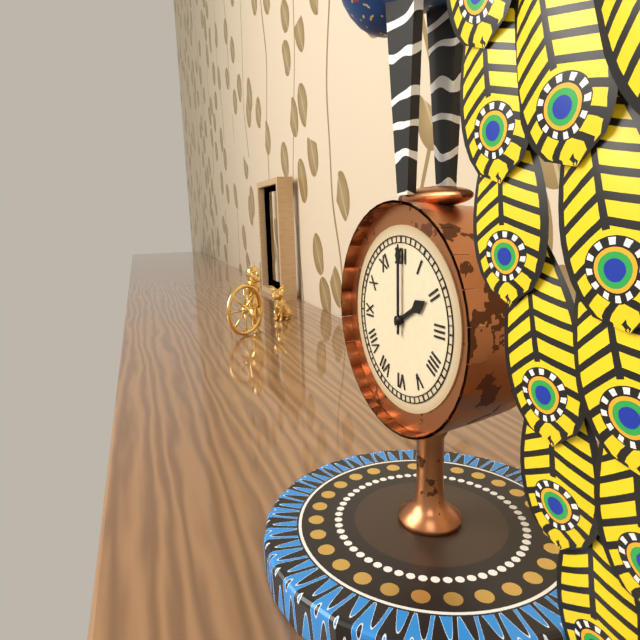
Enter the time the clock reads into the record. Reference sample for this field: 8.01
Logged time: 2.00
